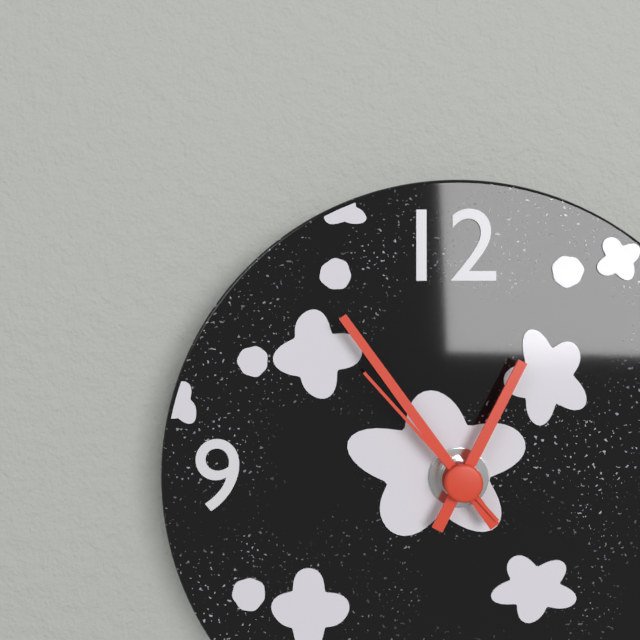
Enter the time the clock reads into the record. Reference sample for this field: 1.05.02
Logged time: 12.54.53
